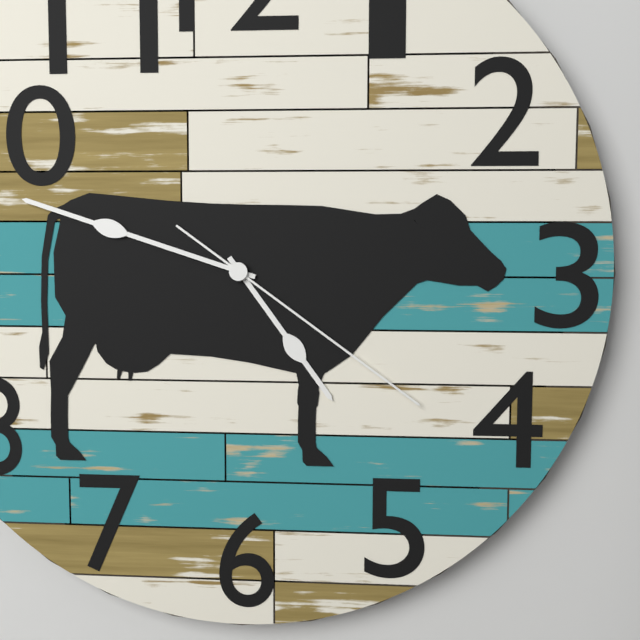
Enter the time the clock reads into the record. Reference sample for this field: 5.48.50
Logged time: 4.48.21
